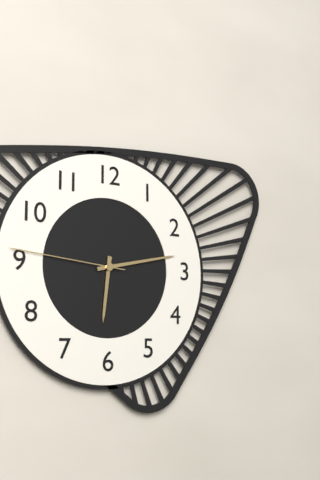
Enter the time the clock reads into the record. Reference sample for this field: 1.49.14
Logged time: 6.13.46
